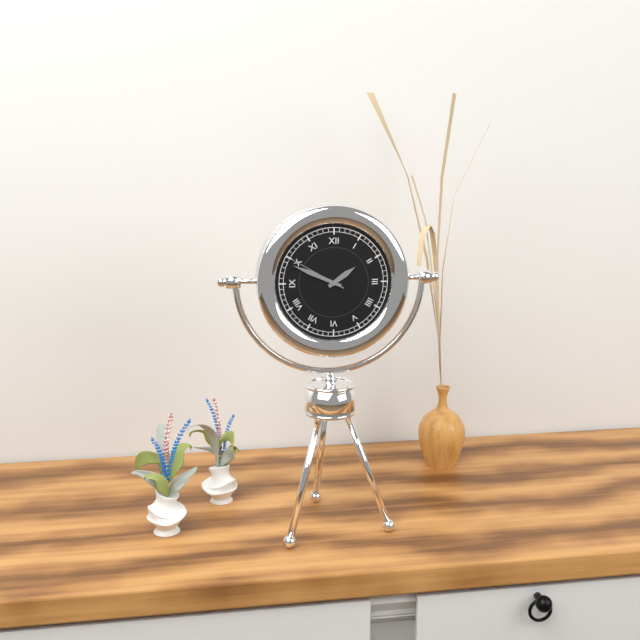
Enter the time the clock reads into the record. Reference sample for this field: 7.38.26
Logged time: 1.49.50
